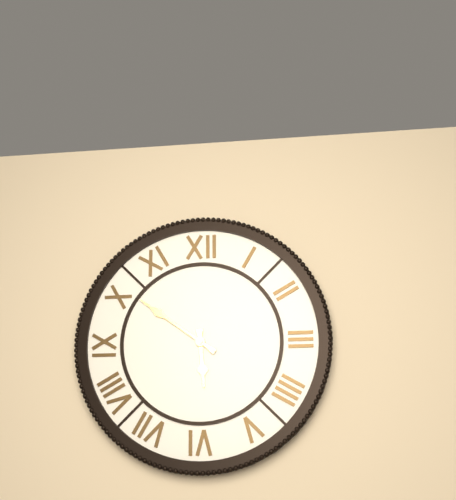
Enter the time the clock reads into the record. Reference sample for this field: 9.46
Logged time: 5.51
